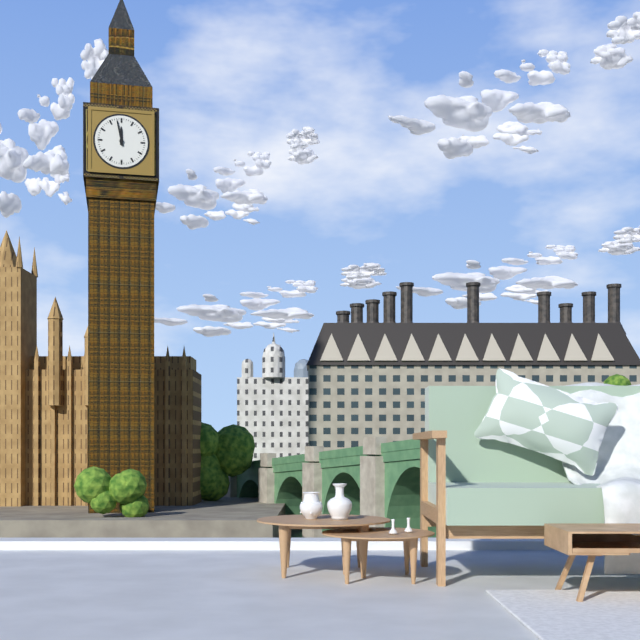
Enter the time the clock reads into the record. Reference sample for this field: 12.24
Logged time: 11.58
